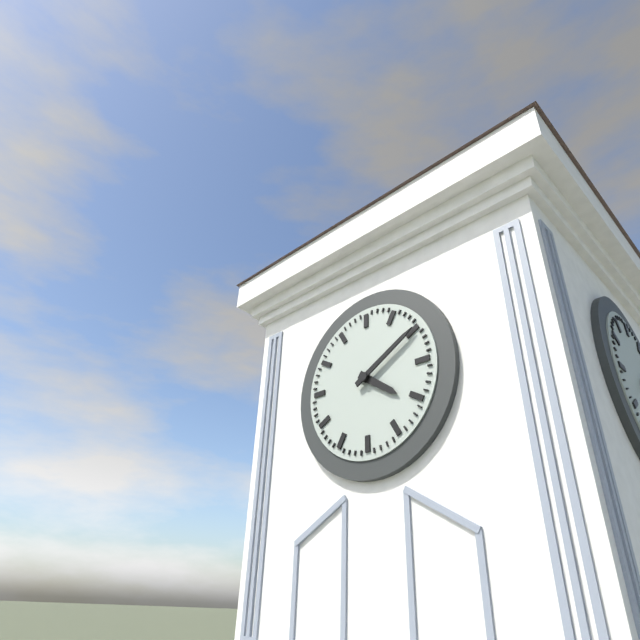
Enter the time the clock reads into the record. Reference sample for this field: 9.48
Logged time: 4.10
